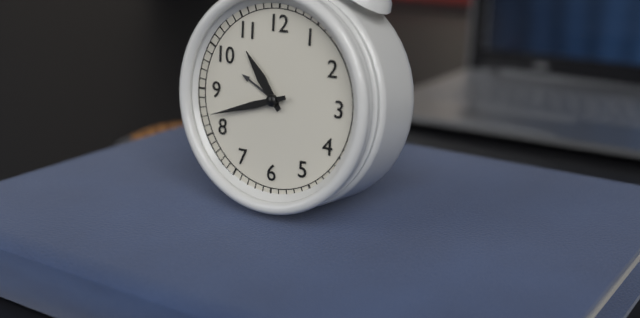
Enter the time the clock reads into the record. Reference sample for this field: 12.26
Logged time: 10.42
